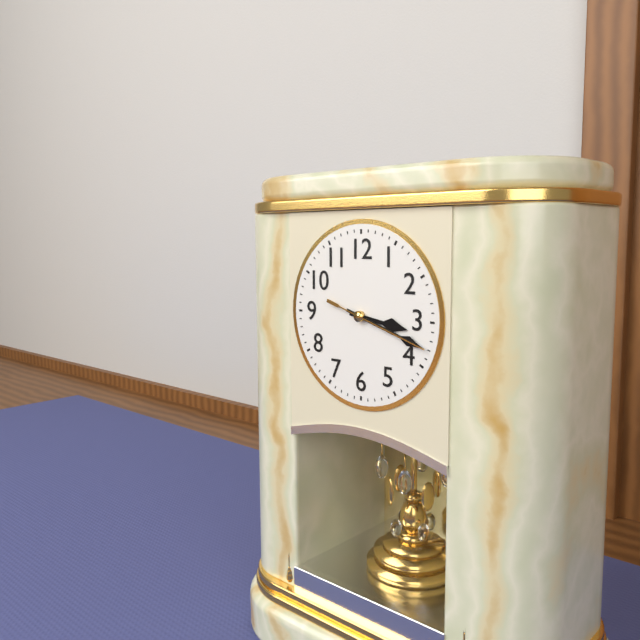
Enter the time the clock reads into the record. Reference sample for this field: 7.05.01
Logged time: 3.18.18
